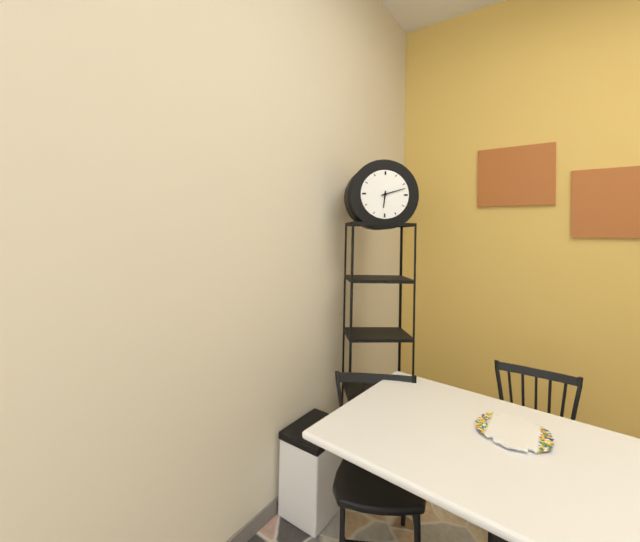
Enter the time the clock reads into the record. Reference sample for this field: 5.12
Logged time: 6.12
